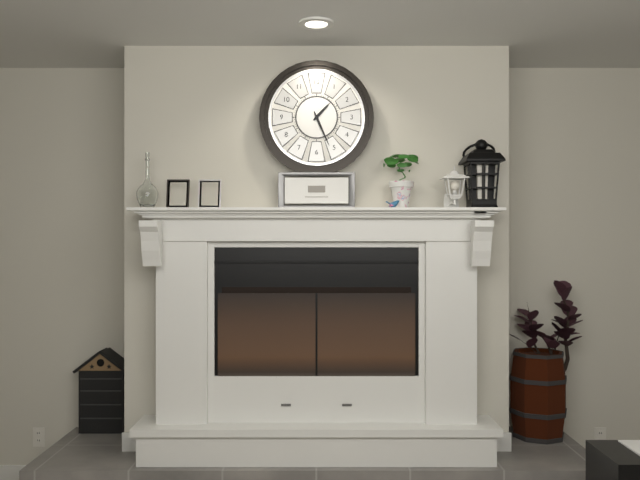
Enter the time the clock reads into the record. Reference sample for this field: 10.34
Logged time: 1.26
